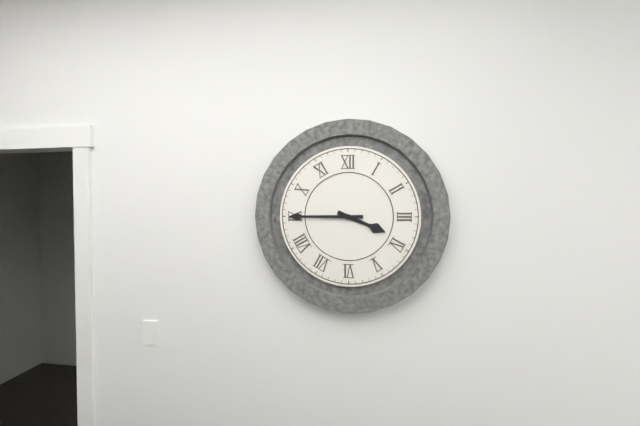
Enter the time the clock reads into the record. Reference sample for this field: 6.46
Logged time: 3.45
